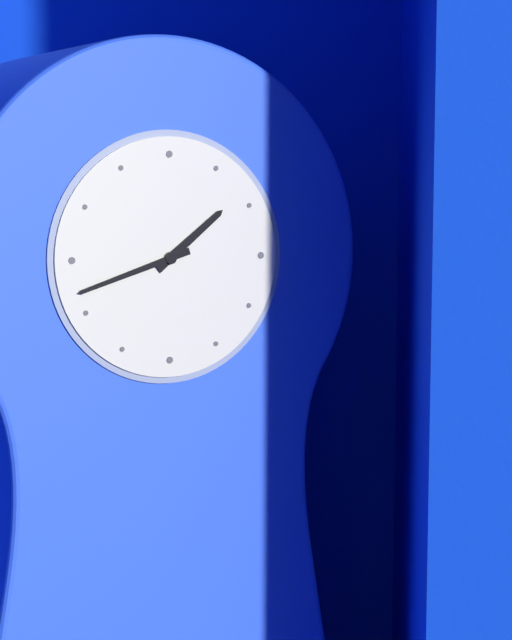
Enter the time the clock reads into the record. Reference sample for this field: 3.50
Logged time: 1.42
